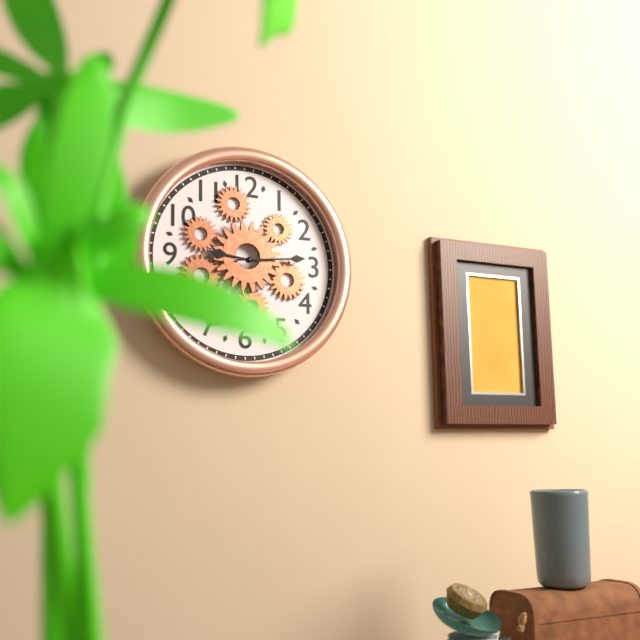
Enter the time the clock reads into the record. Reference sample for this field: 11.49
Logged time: 9.14
